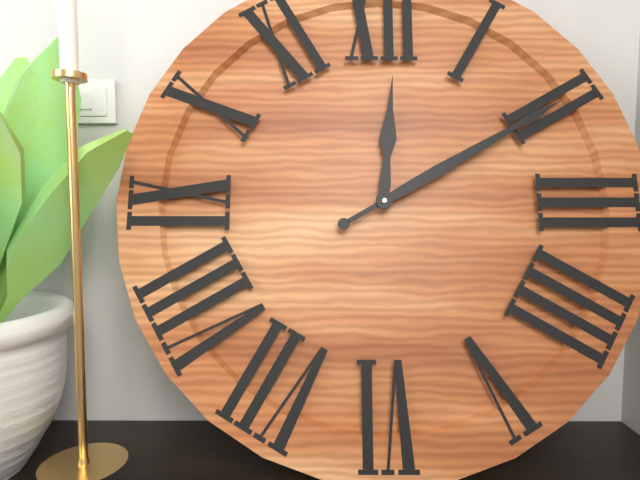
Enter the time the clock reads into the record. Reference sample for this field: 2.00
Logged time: 12.10
